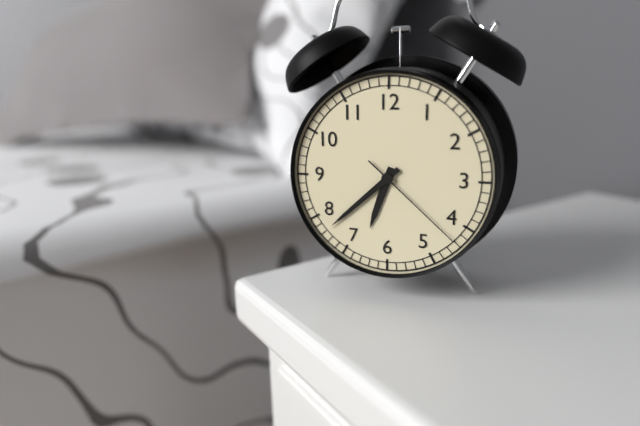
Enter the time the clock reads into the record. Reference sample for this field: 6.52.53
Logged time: 6.38.22
